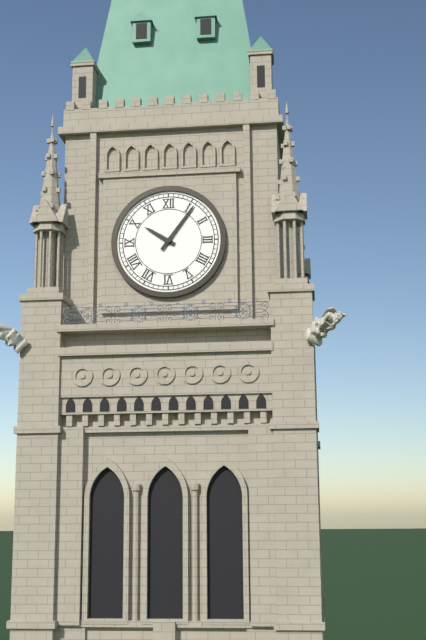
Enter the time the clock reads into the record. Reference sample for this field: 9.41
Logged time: 10.06
